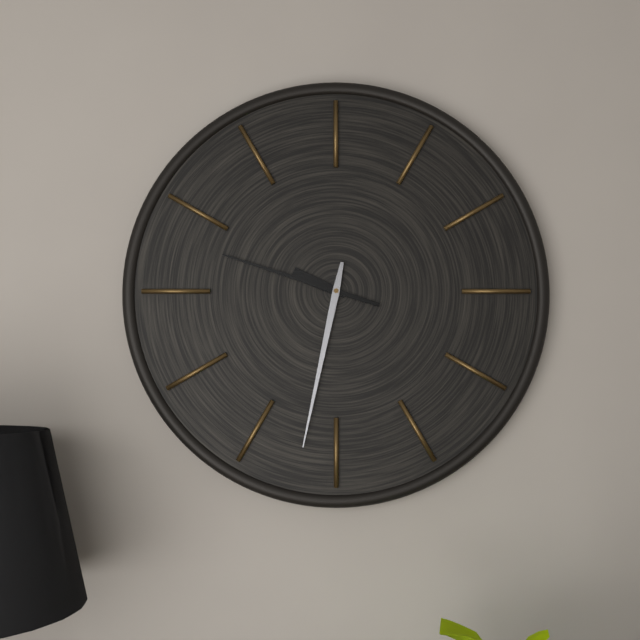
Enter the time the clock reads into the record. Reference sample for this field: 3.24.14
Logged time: 9.48.32
